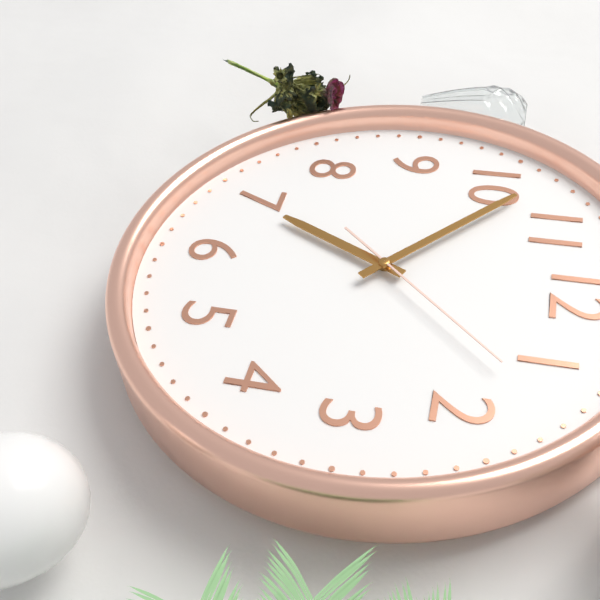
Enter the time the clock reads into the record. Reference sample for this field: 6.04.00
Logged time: 6.52.07
